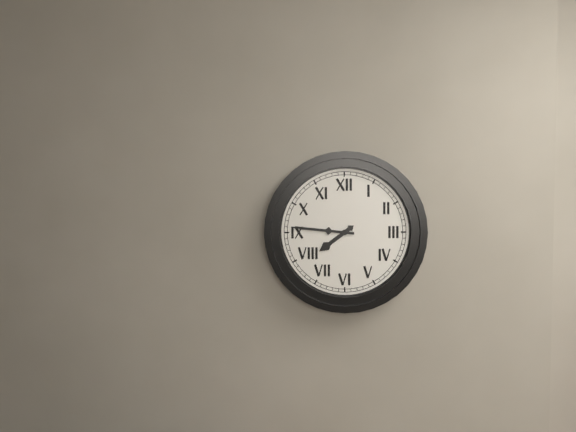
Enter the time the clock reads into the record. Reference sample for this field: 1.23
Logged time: 7.46
